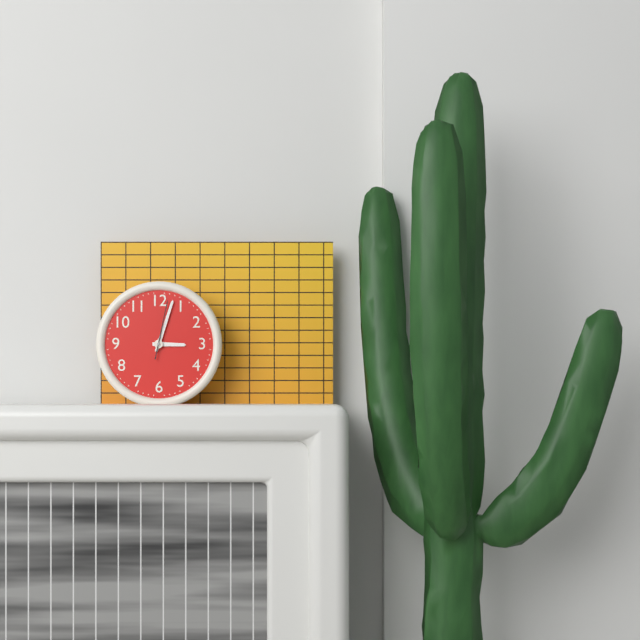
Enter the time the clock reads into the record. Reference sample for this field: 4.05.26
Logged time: 3.03.02
